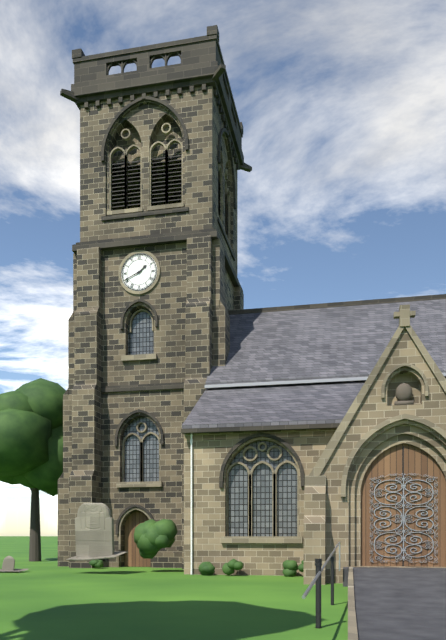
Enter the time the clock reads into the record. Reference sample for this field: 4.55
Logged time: 1.41
